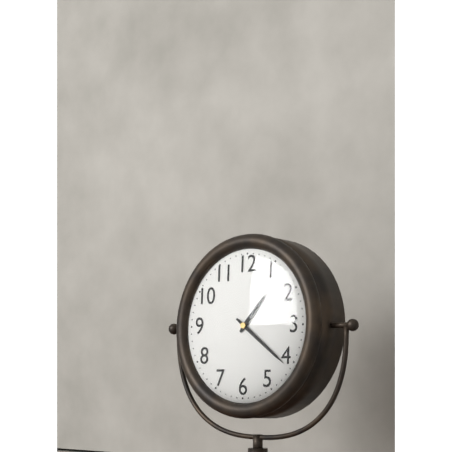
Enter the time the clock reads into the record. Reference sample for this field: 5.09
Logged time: 1.21
